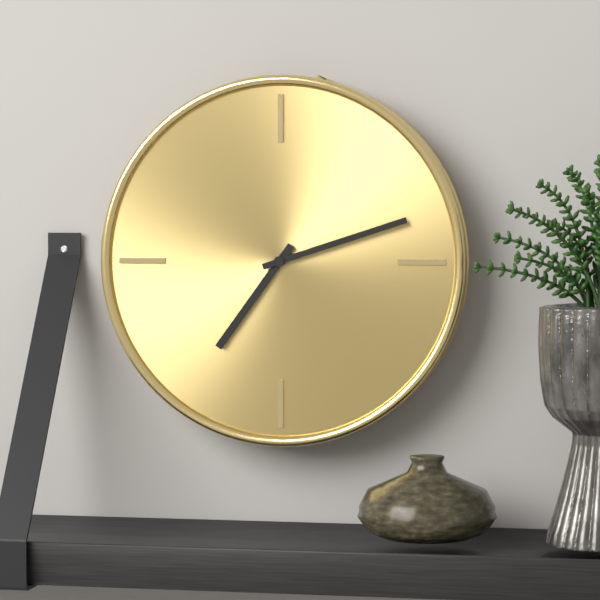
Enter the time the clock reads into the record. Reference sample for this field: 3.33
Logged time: 7.12
